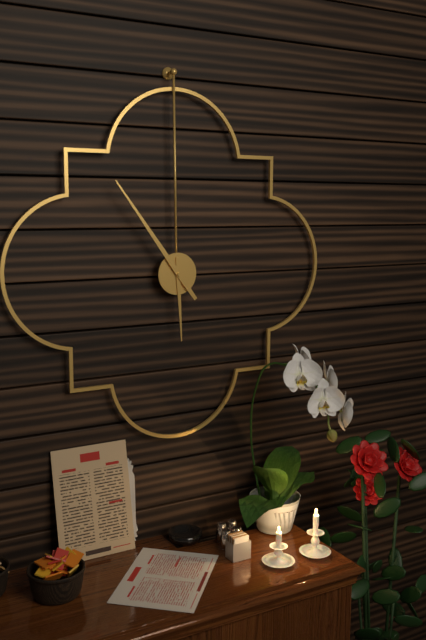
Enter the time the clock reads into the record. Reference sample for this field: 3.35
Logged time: 5.54
